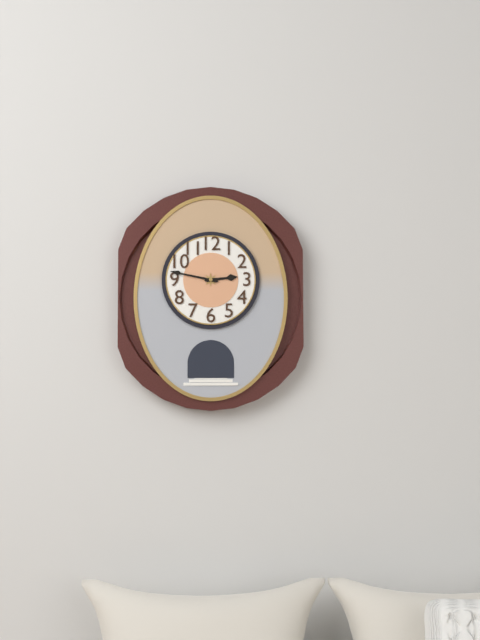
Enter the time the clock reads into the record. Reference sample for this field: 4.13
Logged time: 2.47
